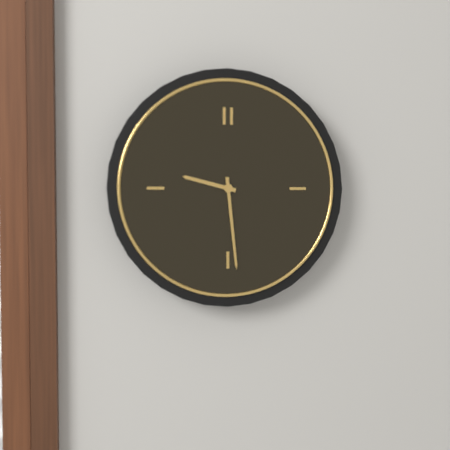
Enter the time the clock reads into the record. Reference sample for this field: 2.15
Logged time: 9.29
